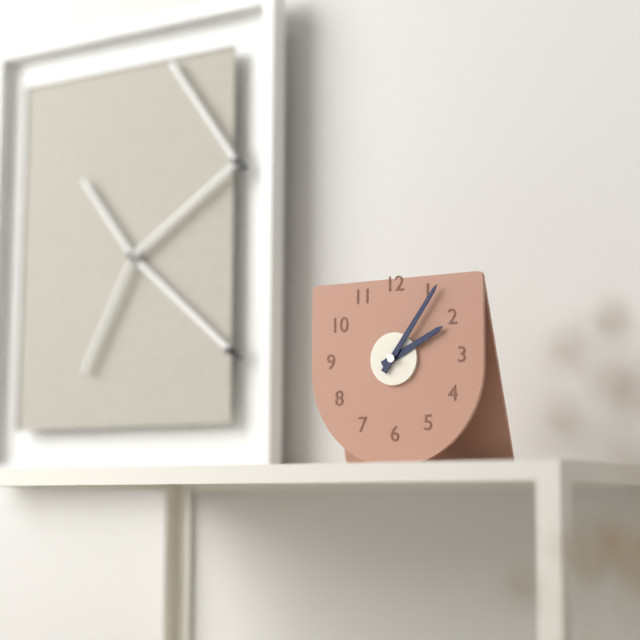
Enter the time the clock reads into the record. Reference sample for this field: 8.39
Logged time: 2.06
